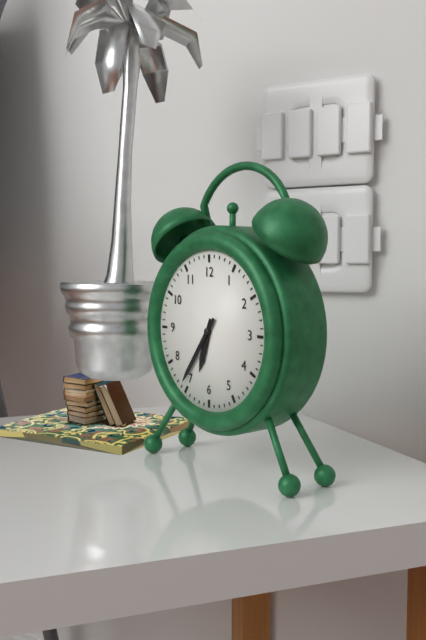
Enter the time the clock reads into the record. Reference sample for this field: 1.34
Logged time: 6.36
